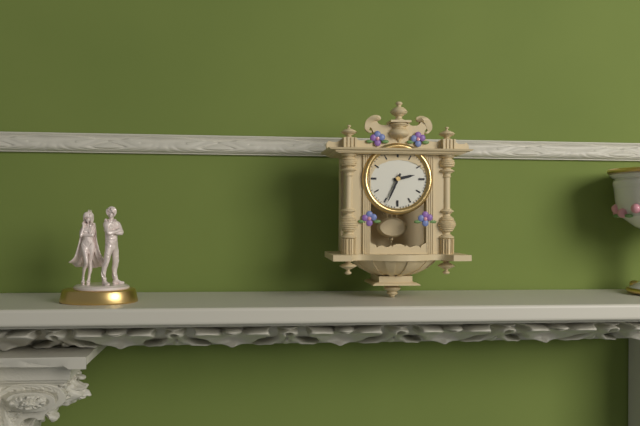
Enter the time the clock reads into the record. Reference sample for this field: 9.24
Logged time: 2.34
